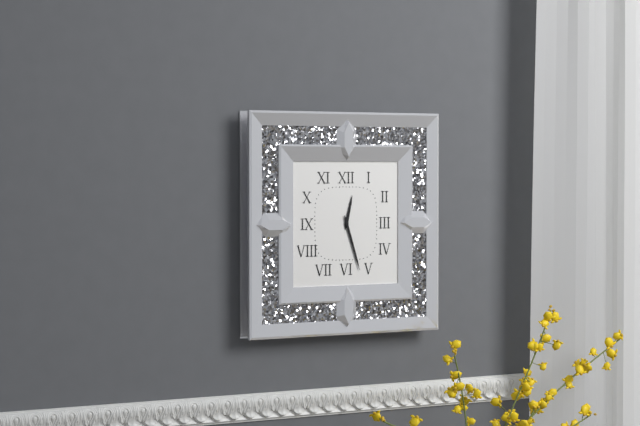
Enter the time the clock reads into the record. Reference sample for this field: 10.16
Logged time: 12.27
